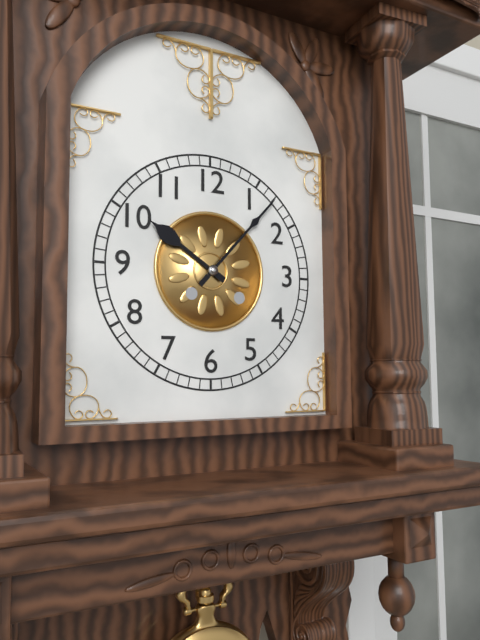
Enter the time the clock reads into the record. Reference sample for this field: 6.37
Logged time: 10.07
